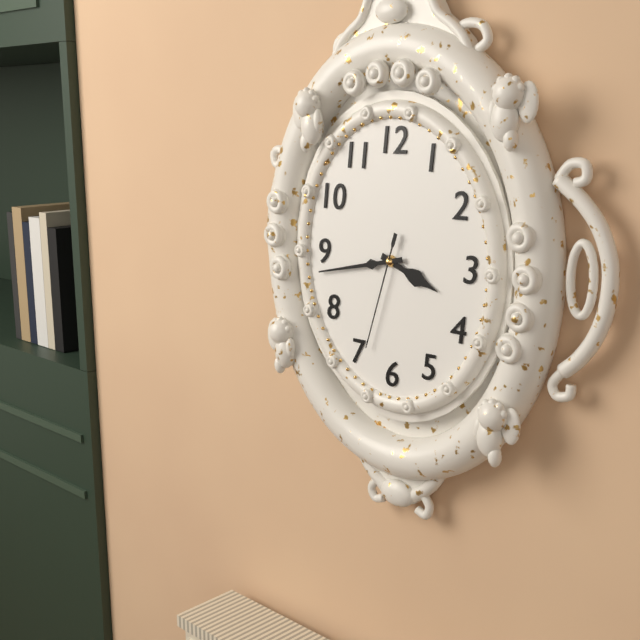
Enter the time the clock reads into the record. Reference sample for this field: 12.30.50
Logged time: 3.43.33
